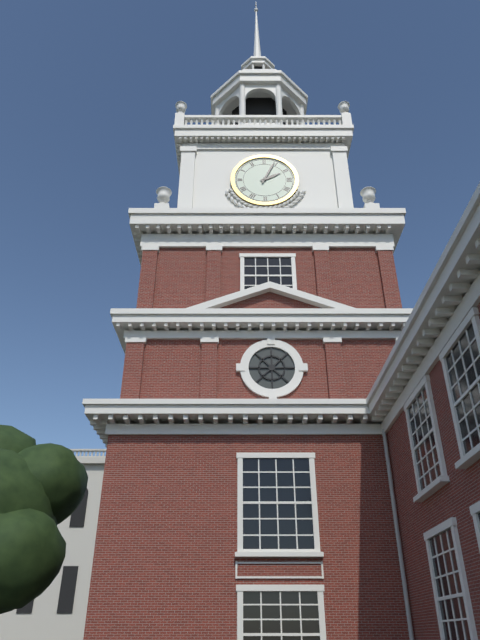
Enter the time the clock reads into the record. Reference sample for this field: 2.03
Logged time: 2.04
